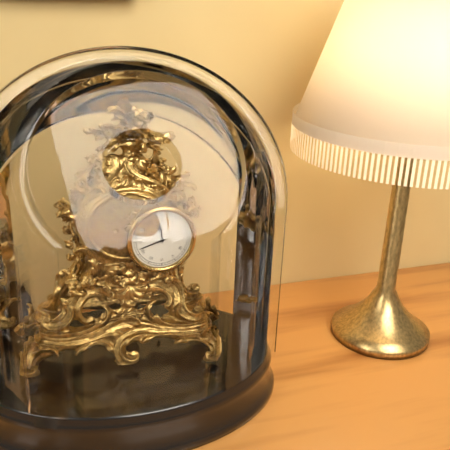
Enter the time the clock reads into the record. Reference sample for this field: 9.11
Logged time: 11.42
